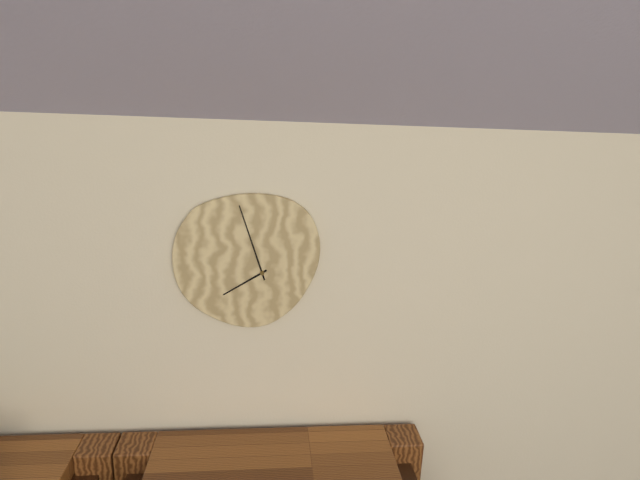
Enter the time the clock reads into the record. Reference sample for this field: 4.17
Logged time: 7.57
